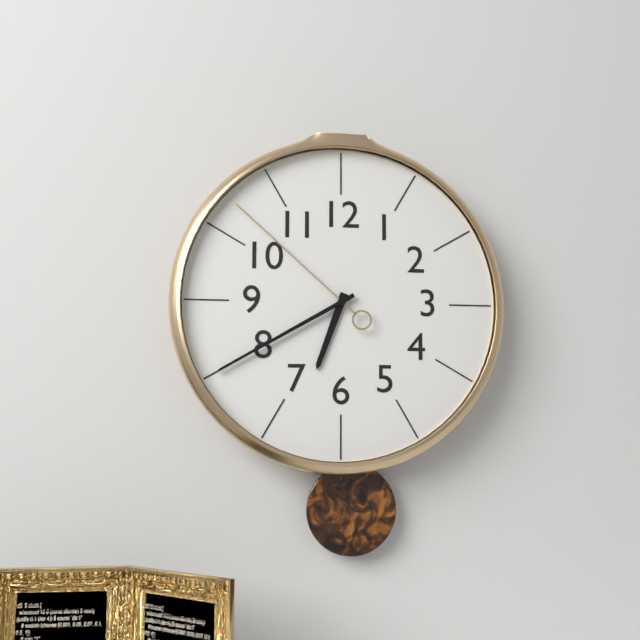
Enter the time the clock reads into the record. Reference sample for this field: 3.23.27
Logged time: 6.40.52
